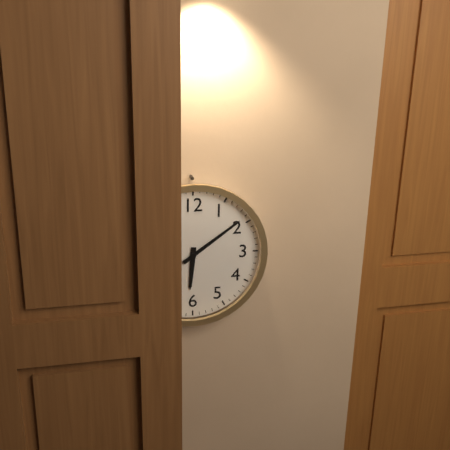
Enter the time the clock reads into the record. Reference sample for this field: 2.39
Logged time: 6.09
